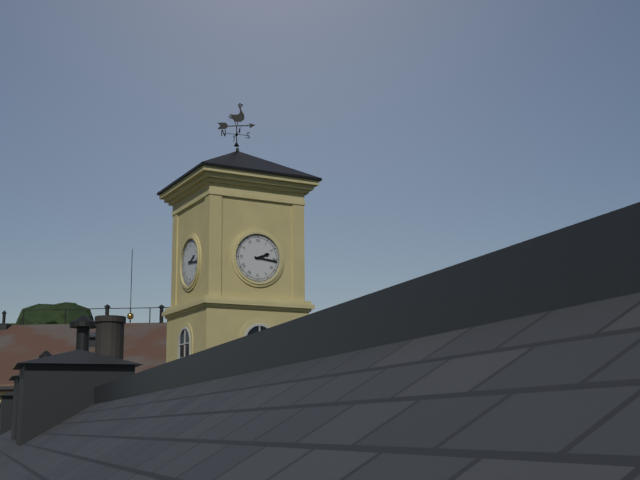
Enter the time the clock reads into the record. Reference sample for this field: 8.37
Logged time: 2.16
